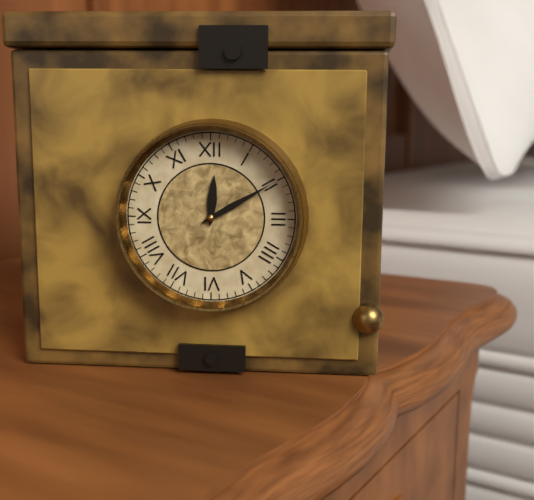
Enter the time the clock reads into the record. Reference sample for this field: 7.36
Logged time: 12.10
